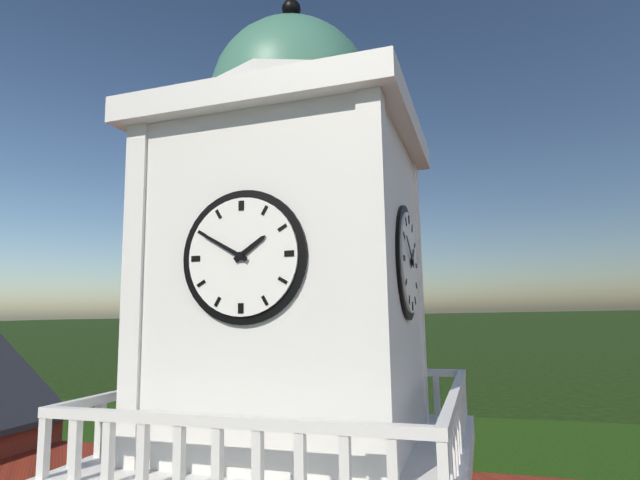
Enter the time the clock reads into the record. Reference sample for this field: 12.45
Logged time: 1.50
